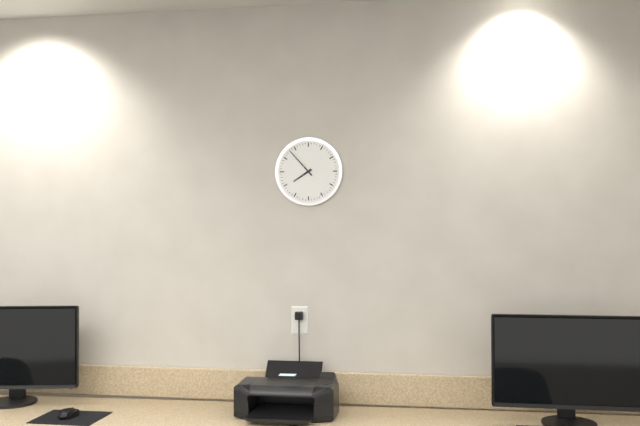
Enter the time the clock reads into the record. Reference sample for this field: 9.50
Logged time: 7.53
